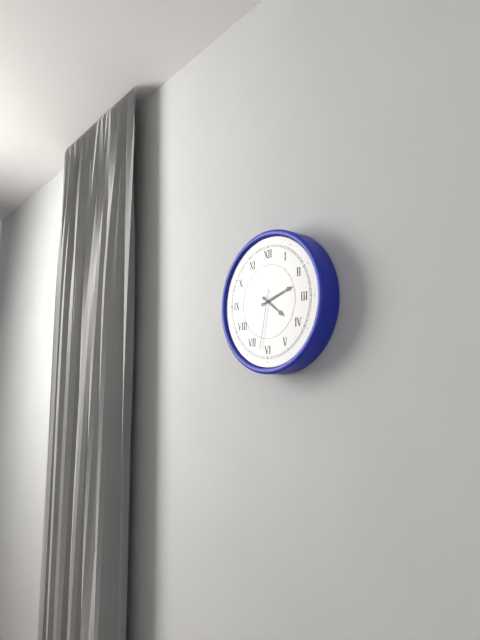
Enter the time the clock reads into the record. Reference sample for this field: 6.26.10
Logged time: 4.12.32
